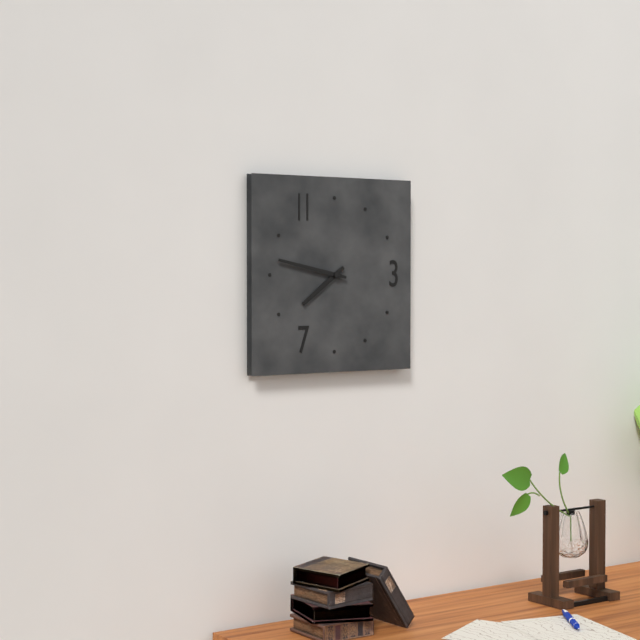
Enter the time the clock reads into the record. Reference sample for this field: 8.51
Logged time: 7.47
